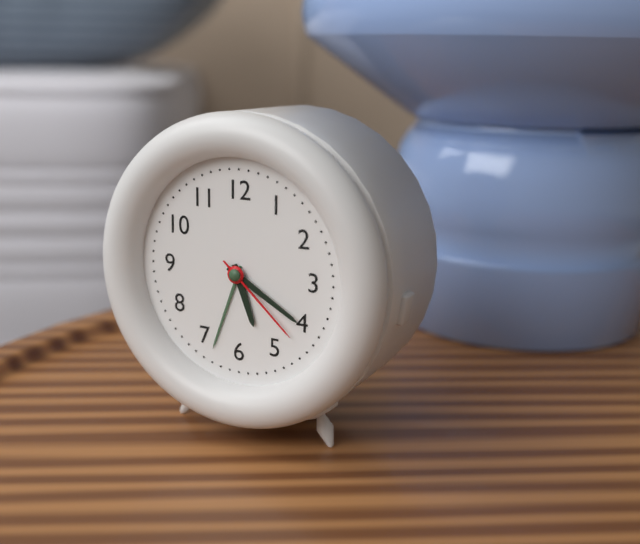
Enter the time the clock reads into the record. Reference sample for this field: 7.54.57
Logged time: 5.20.22
